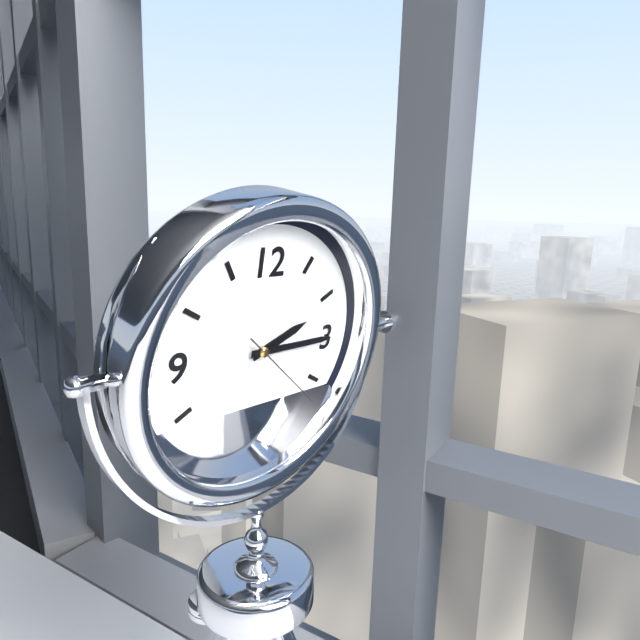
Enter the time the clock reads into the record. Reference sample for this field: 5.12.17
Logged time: 2.15.22
